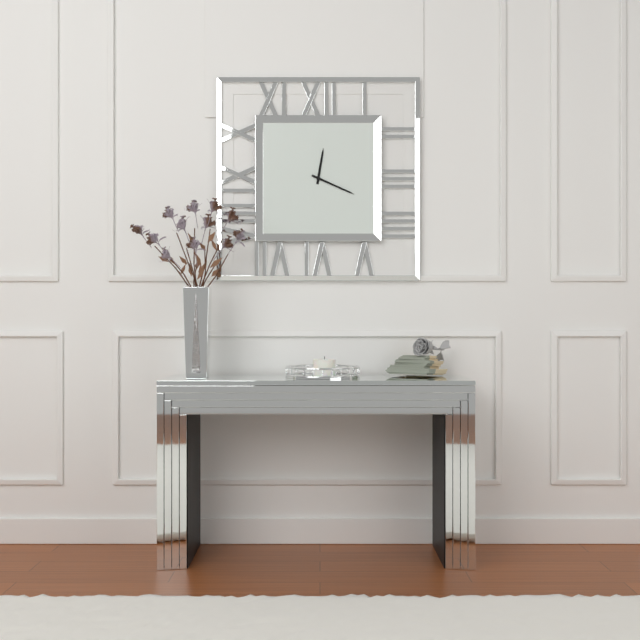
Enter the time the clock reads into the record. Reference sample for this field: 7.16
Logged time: 12.19
